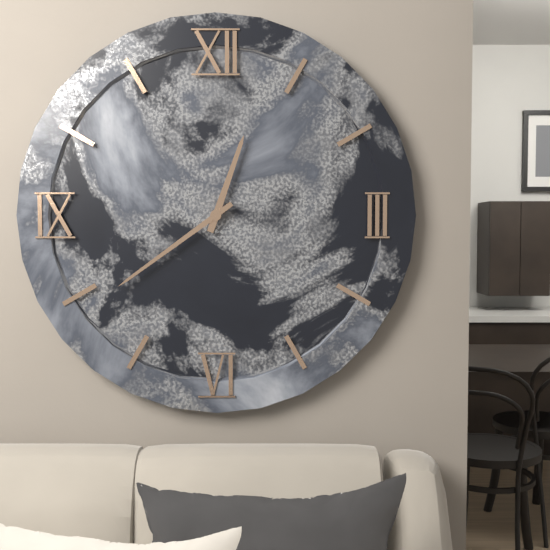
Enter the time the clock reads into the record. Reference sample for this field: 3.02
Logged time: 12.39
